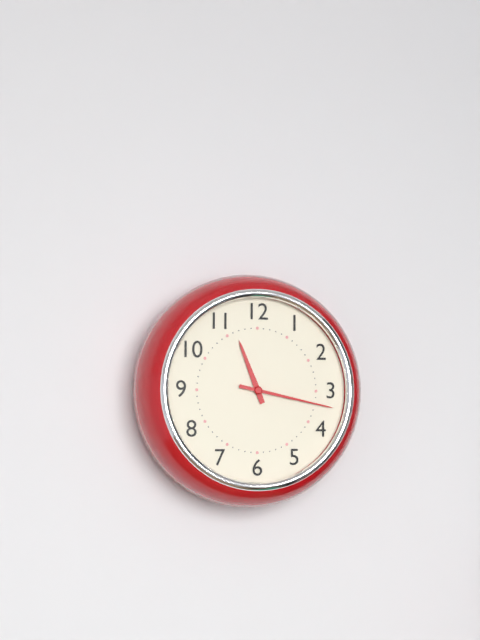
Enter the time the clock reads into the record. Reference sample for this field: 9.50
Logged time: 11.17
